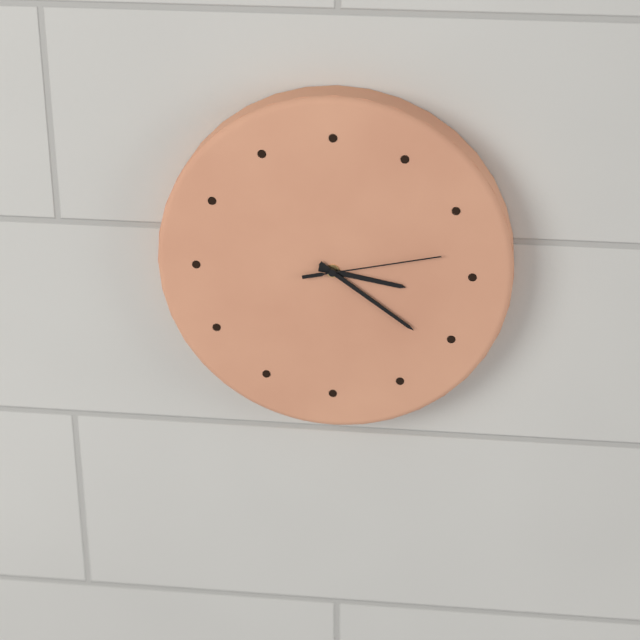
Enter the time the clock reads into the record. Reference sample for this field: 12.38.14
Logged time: 3.21.13
